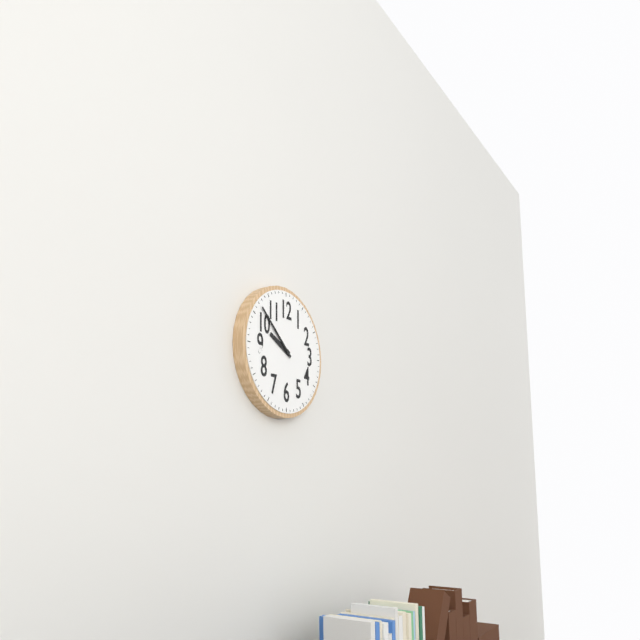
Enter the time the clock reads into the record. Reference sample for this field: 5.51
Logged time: 9.52
